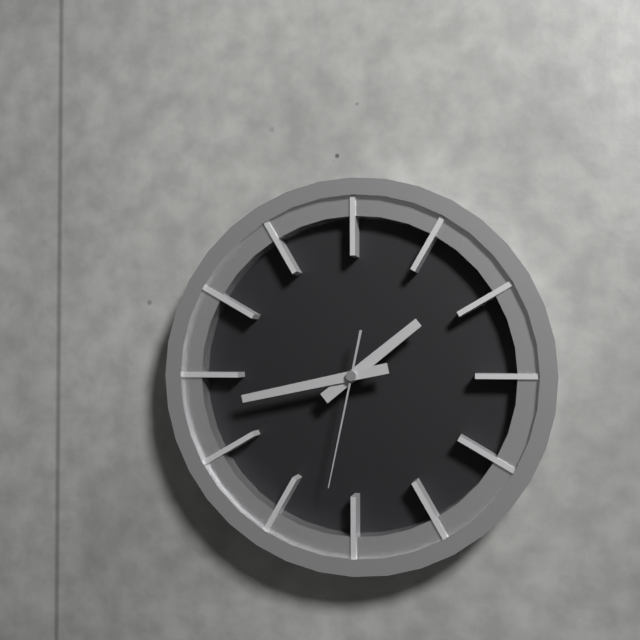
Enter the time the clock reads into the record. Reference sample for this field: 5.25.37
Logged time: 1.43.32
